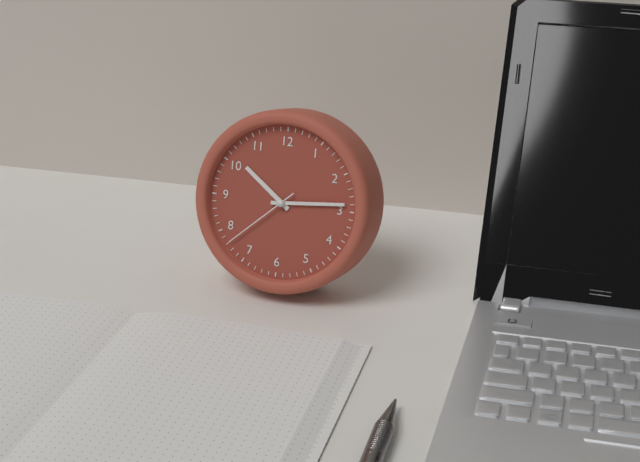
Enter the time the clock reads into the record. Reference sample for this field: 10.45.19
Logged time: 10.14.38
